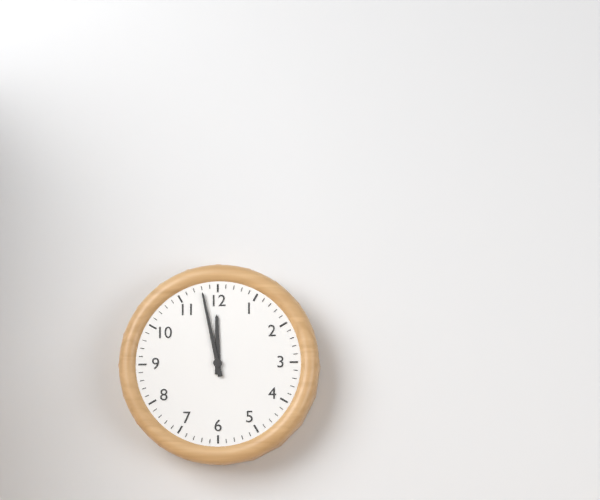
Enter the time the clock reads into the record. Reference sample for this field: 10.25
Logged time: 11.58
